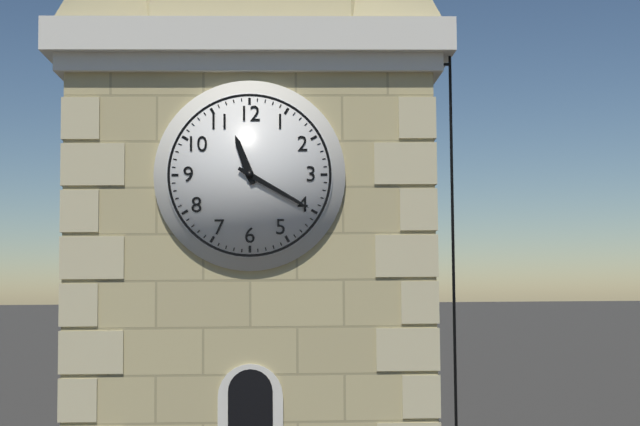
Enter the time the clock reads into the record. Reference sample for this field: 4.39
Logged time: 11.20
